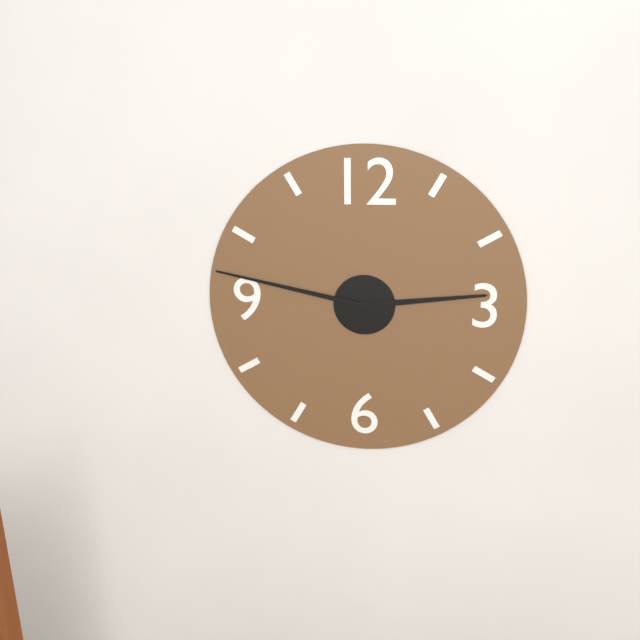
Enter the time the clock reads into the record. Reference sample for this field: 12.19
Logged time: 2.47
